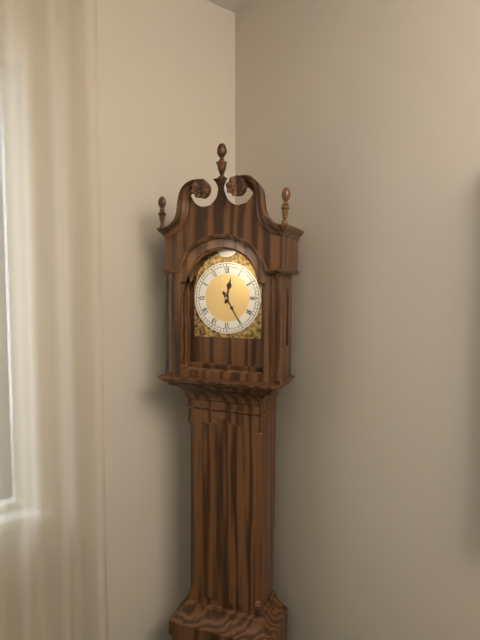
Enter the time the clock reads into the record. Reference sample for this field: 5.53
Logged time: 12.25
